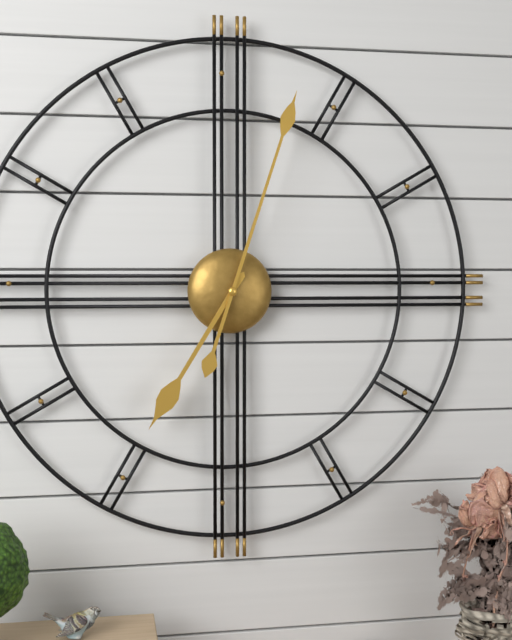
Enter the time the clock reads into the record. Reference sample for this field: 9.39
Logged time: 7.03
